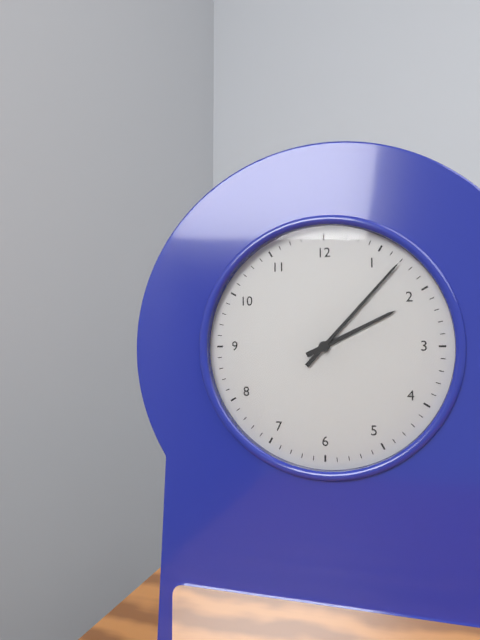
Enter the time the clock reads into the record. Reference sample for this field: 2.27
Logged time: 2.07
